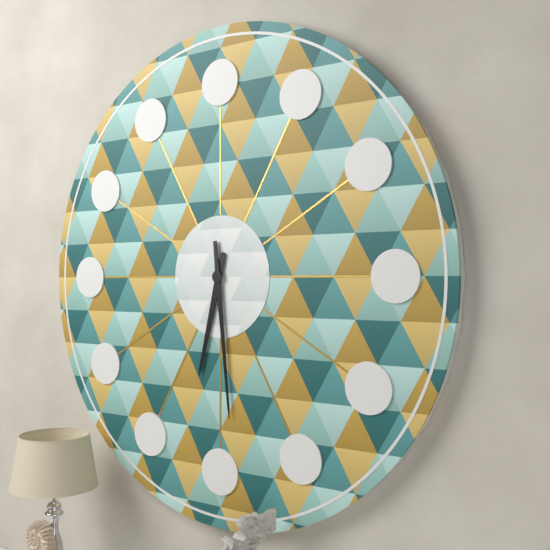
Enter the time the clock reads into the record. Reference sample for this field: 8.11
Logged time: 6.29
